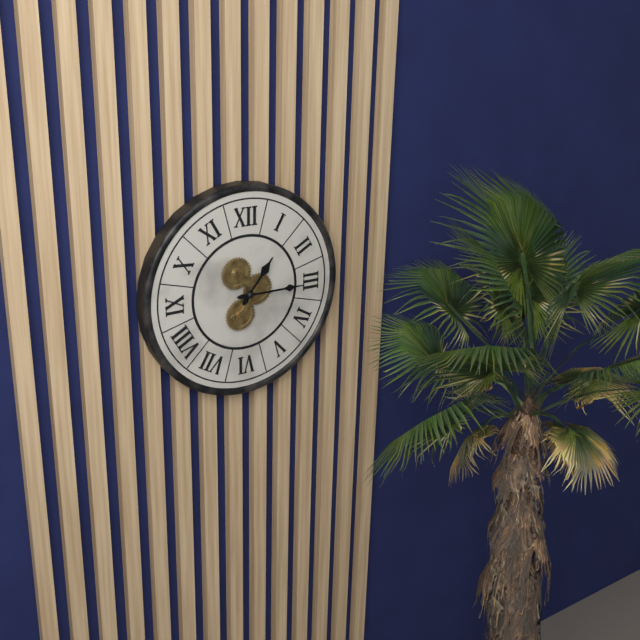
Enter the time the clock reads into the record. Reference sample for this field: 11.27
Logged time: 1.15
